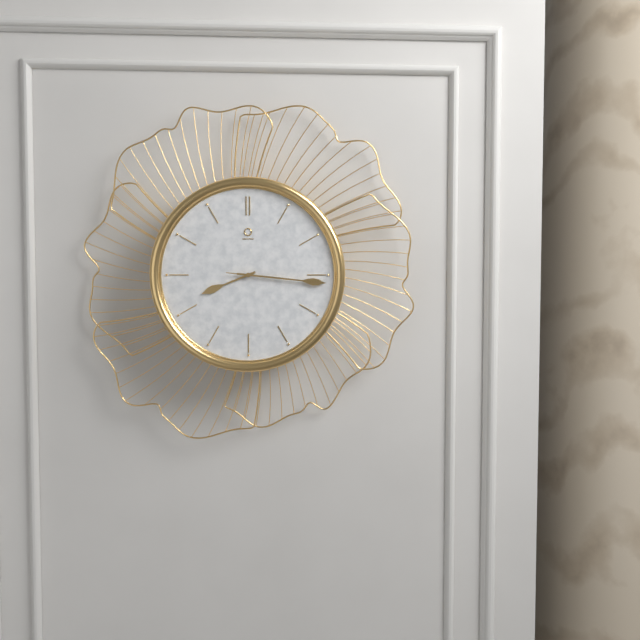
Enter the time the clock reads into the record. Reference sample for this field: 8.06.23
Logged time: 8.16.16
